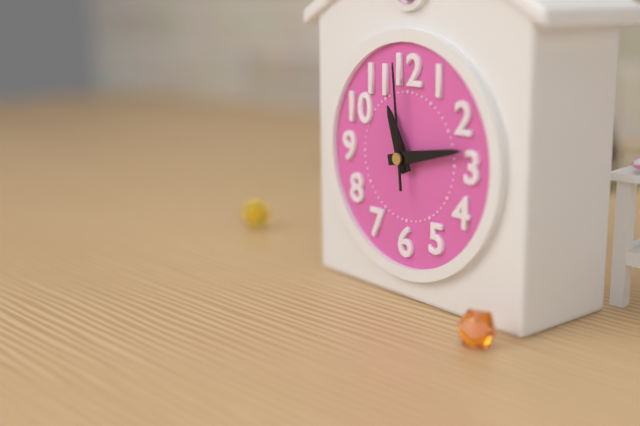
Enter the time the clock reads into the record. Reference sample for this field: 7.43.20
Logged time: 11.13.59
